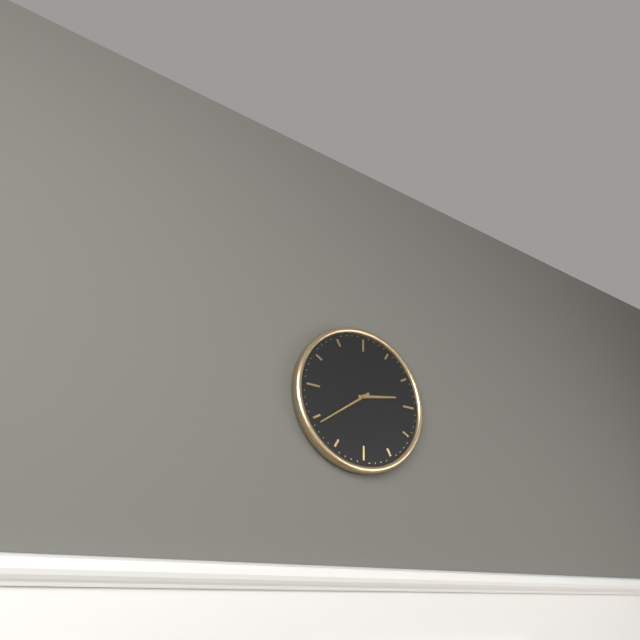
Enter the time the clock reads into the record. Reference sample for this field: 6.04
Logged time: 2.39
